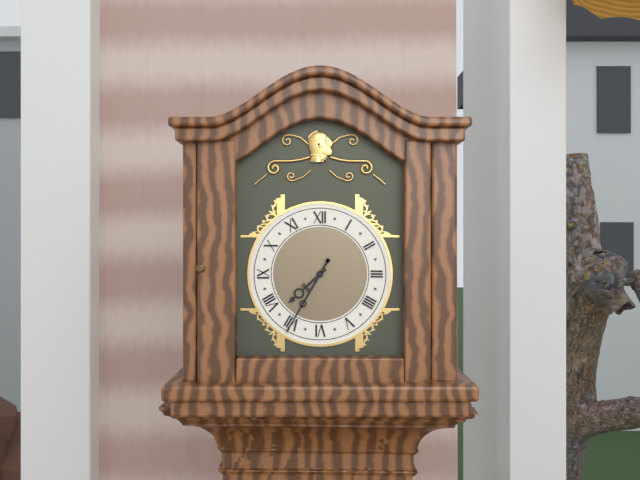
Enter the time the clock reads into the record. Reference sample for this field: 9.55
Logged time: 7.35
